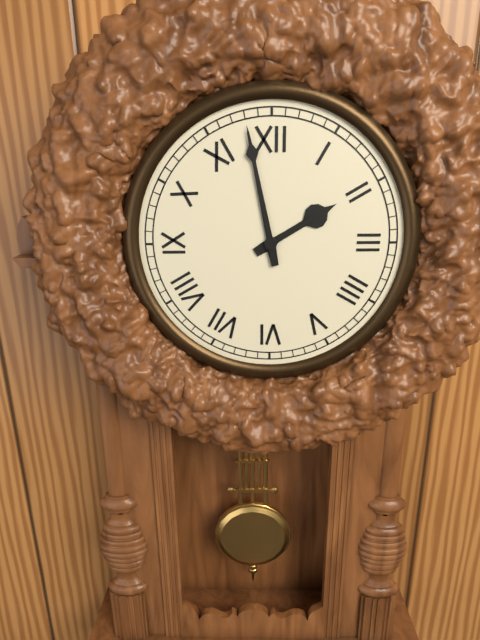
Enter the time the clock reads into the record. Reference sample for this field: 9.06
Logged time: 1.58
